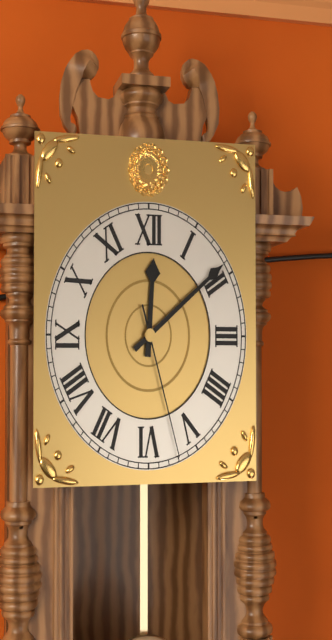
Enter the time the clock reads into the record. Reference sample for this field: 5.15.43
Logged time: 12.09.27
